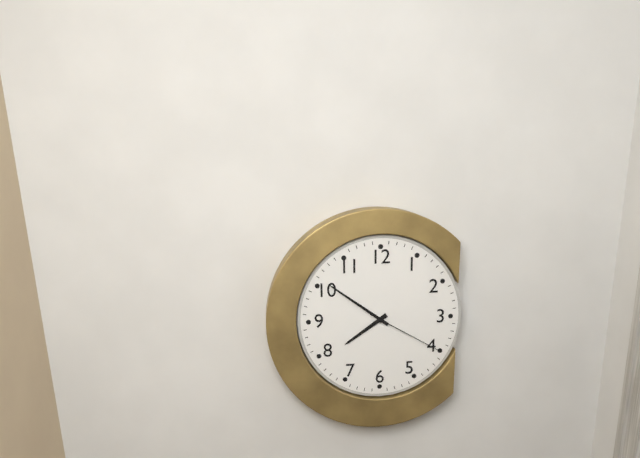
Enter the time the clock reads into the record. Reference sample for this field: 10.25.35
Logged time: 7.51.20
